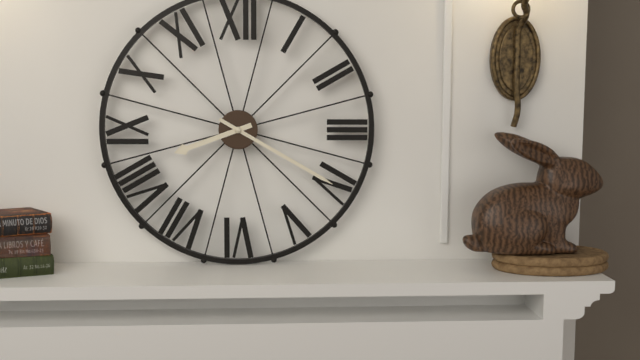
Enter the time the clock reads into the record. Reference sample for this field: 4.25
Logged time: 8.20
